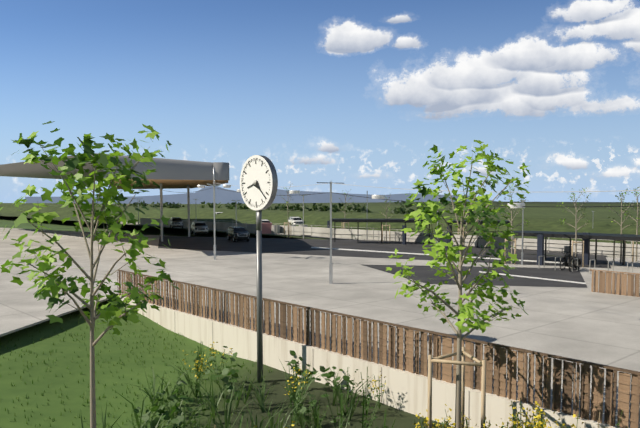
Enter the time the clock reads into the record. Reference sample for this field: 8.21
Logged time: 8.22
